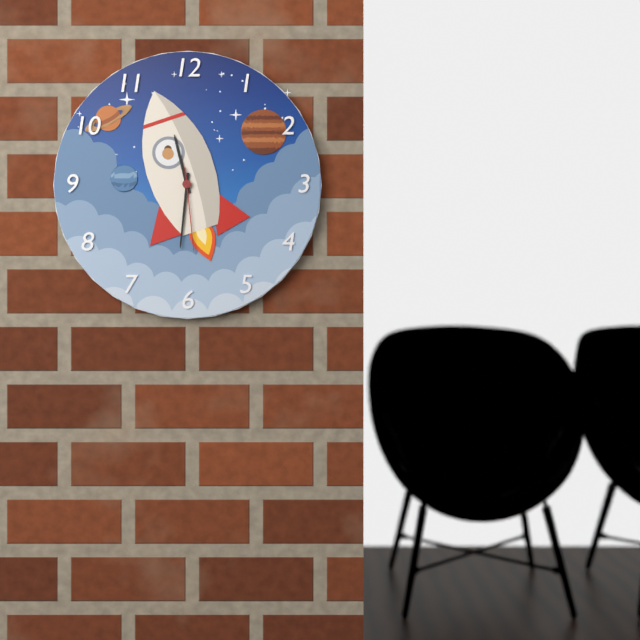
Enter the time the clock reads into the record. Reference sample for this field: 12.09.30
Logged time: 11.31.29
